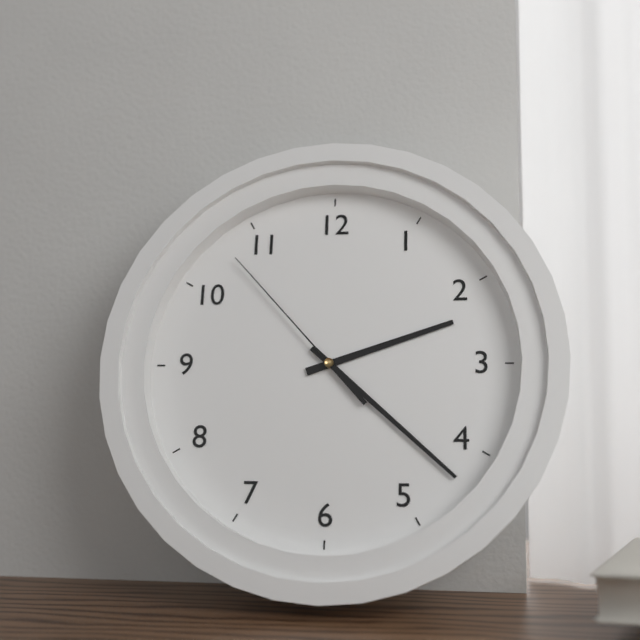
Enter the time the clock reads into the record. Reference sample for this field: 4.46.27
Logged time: 2.22.53
